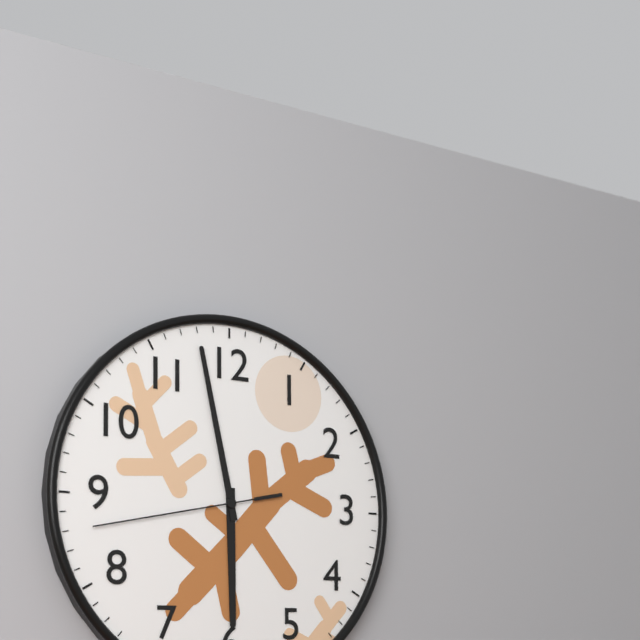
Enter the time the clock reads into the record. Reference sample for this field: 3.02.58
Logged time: 5.58.43
